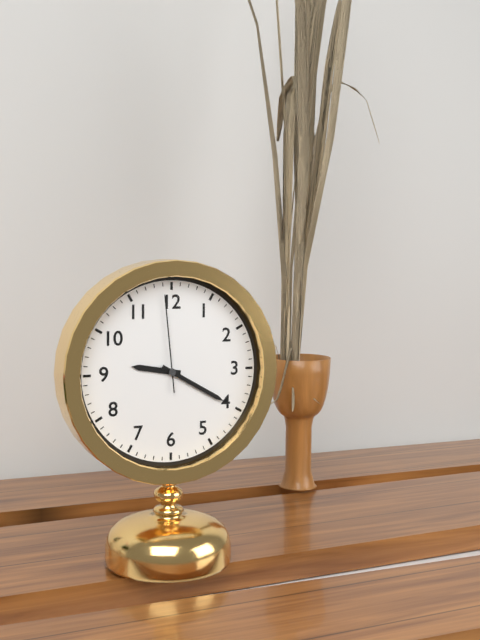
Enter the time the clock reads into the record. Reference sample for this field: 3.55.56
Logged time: 9.20.59
